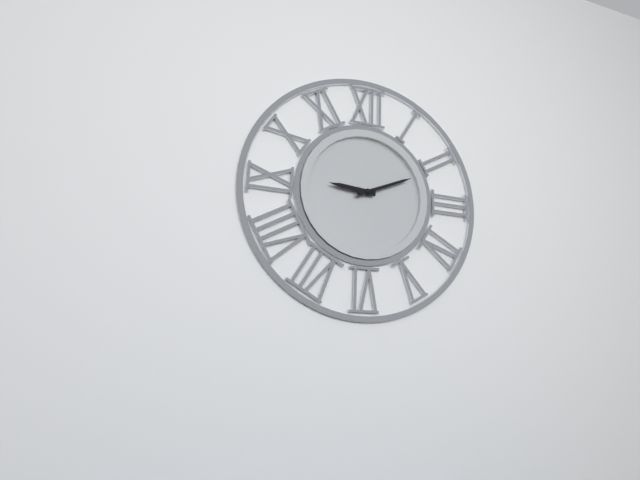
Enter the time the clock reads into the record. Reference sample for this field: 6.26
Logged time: 9.11
